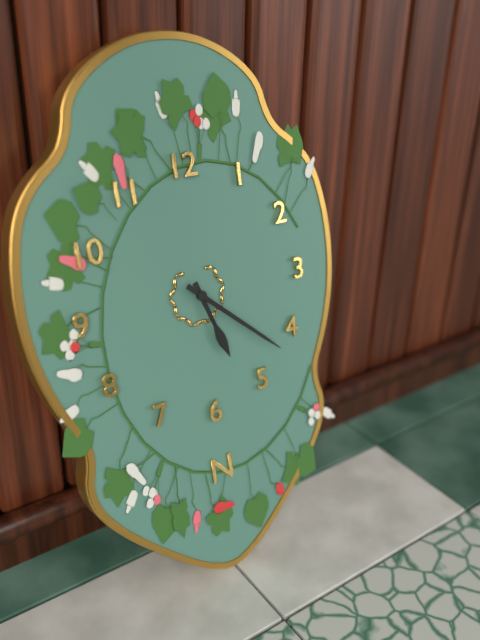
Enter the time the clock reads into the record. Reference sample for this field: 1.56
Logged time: 5.22
